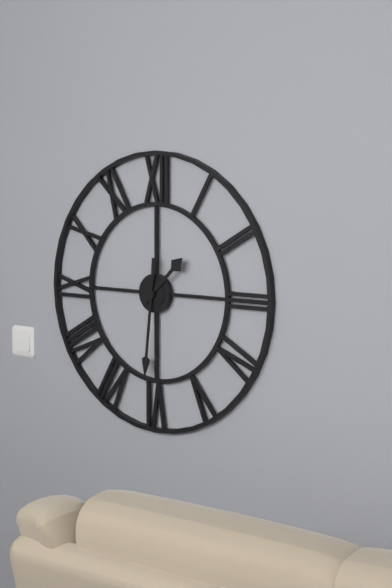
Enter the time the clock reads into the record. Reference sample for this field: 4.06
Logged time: 1.31
